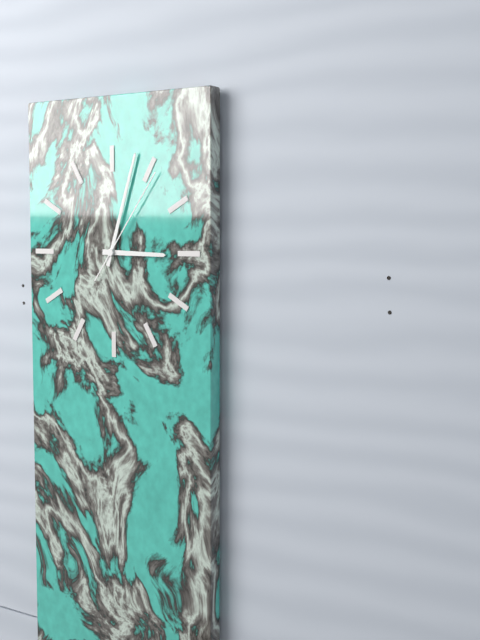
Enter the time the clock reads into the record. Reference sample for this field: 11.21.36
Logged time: 3.03.06
